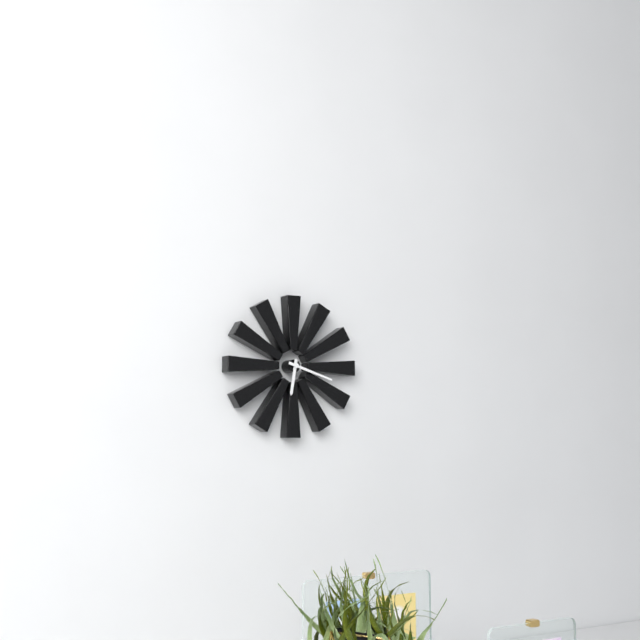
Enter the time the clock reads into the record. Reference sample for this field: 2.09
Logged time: 6.18
